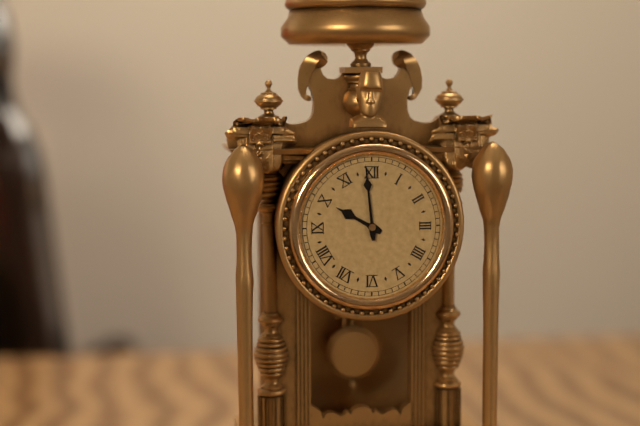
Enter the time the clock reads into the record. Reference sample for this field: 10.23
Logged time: 9.59
